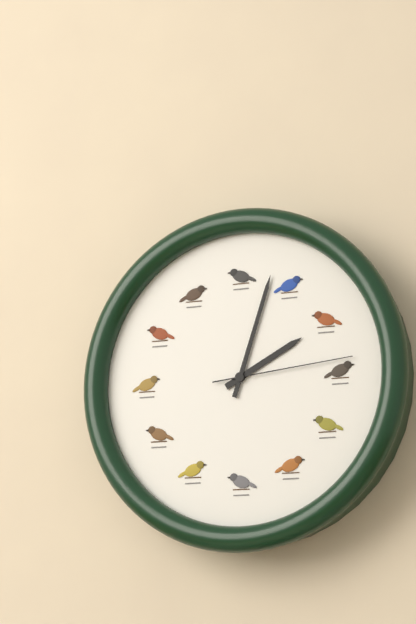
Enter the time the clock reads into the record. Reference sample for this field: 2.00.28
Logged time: 2.03.14
